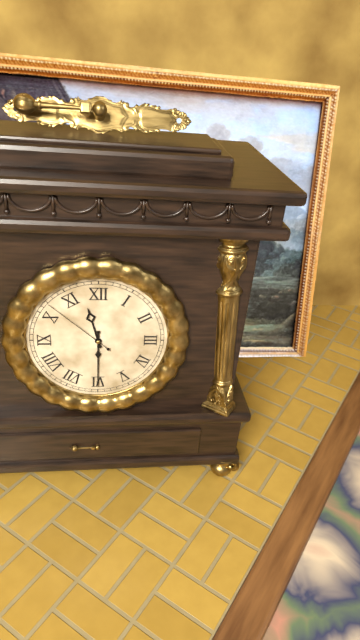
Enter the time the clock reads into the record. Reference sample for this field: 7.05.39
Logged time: 11.30.52
